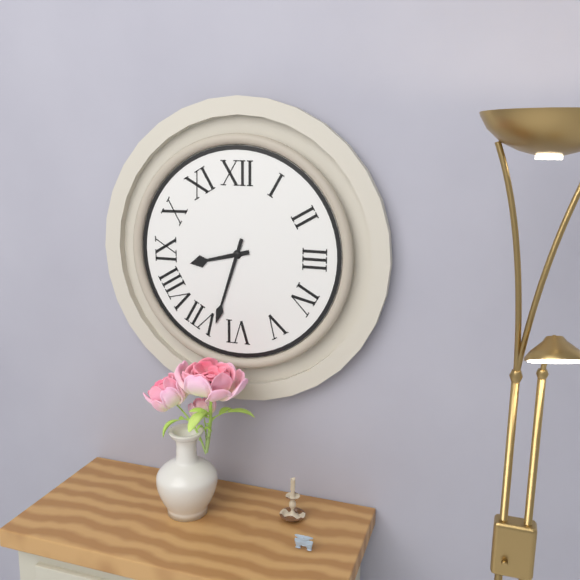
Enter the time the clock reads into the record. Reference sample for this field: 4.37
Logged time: 8.33
